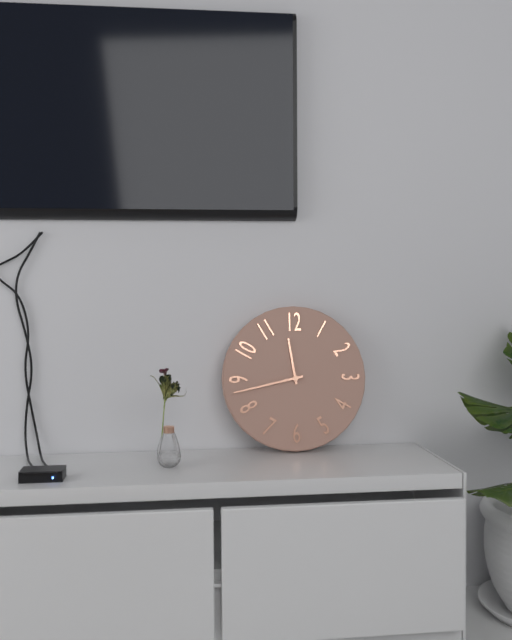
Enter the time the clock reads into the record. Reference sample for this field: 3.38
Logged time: 11.43
